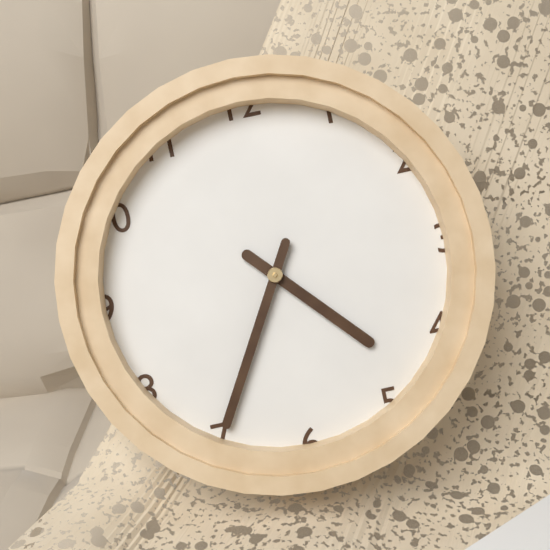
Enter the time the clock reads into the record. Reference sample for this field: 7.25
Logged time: 4.35
